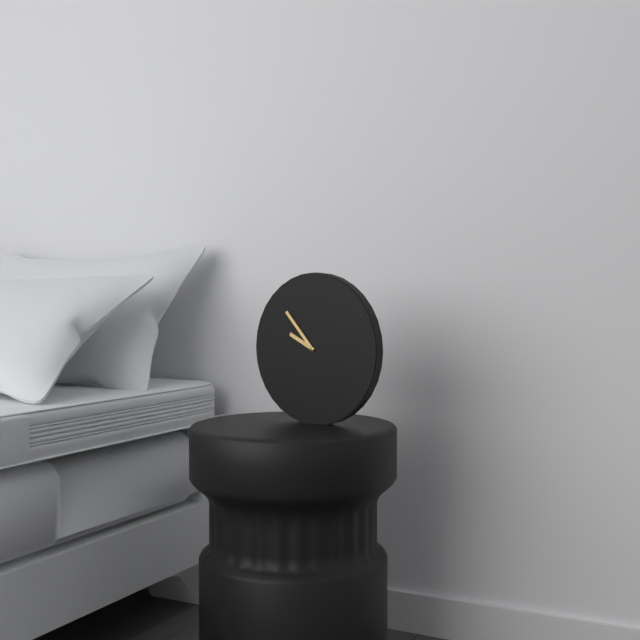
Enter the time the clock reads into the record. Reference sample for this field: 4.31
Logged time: 9.53
